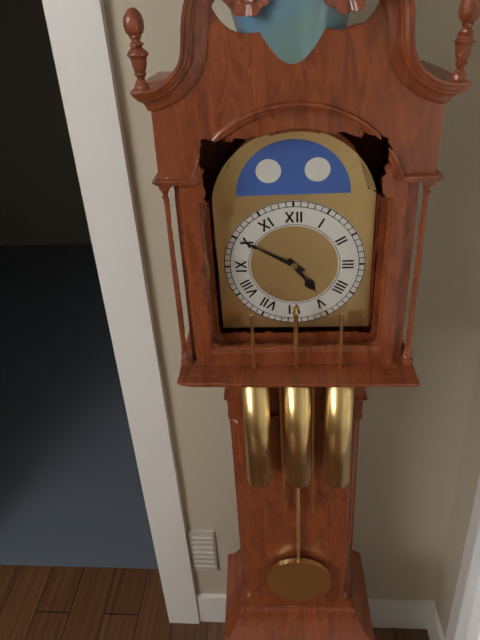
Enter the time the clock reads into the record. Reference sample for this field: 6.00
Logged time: 4.50
